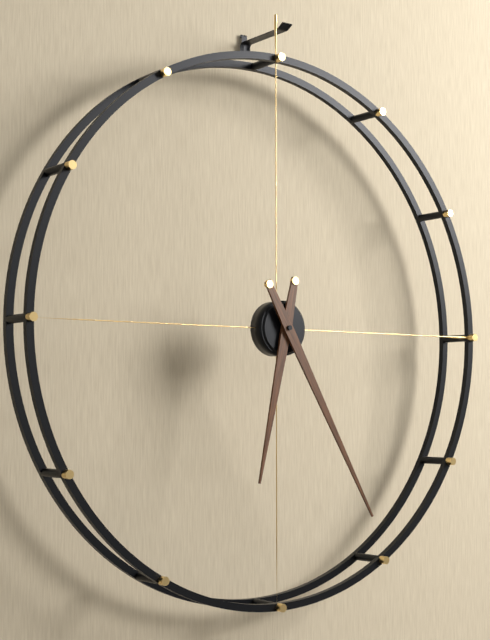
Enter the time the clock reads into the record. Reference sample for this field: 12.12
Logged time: 6.25
